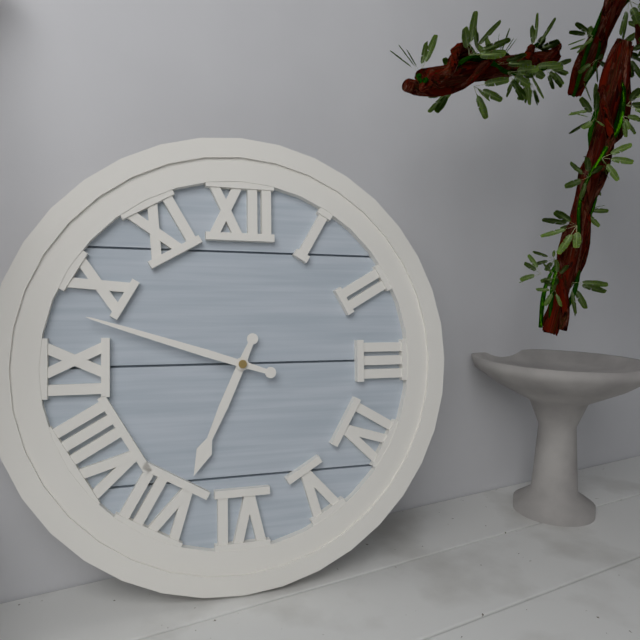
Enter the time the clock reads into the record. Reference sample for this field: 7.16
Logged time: 6.48
